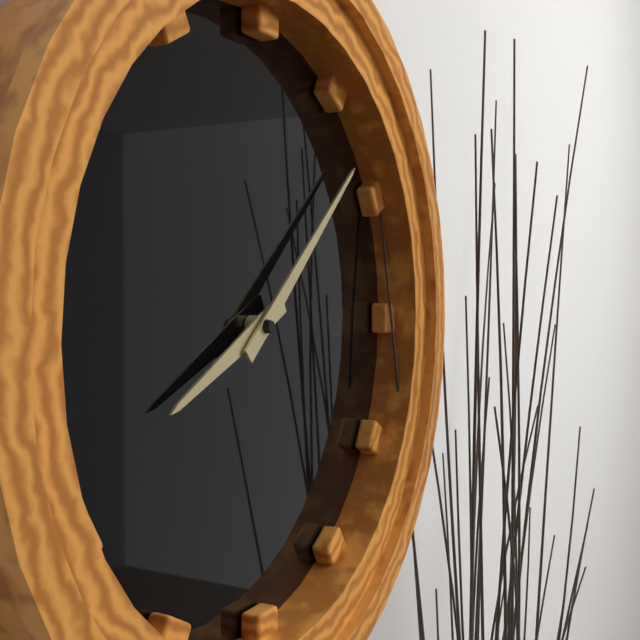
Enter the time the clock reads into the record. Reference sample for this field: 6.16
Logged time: 8.08
